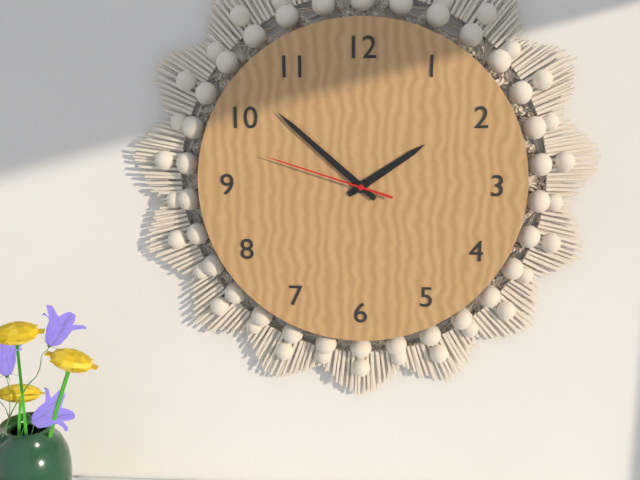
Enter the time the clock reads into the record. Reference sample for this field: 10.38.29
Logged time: 1.52.48
